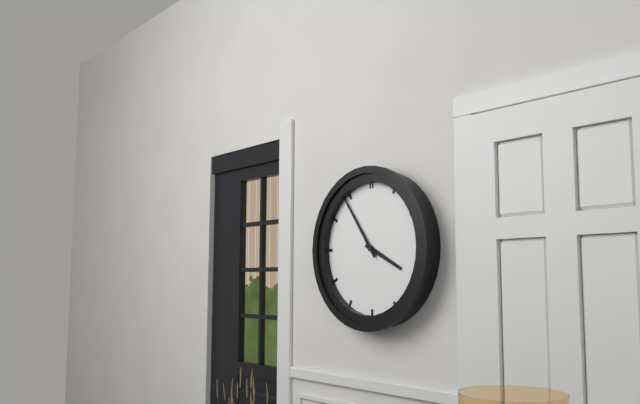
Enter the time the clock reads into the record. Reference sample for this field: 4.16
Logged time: 3.54
